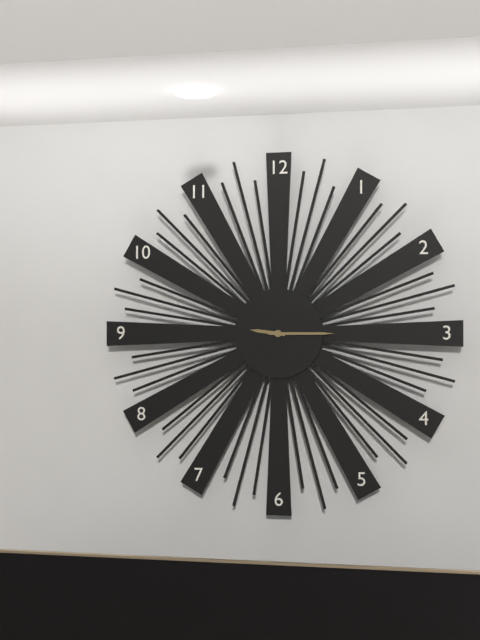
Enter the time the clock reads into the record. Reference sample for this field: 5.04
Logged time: 9.15
